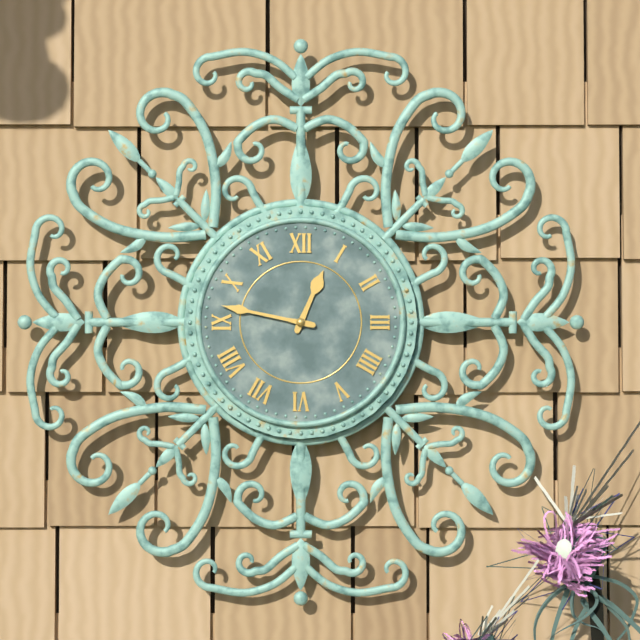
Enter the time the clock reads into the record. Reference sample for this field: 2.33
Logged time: 12.47
